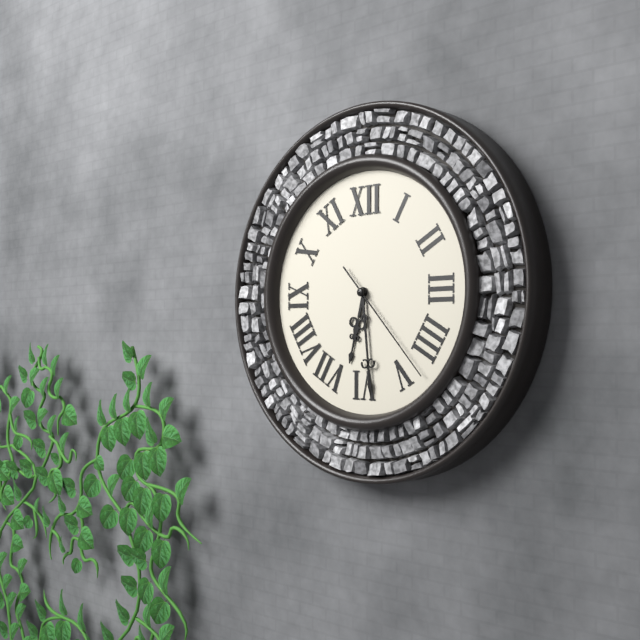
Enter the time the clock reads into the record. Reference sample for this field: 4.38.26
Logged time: 6.29.23
